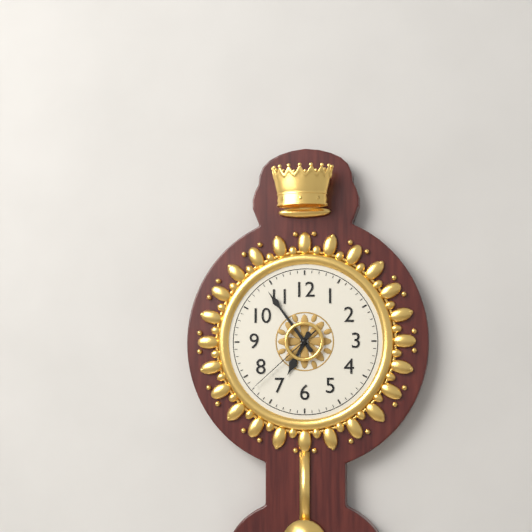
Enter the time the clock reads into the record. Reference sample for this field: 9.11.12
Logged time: 6.54.38
